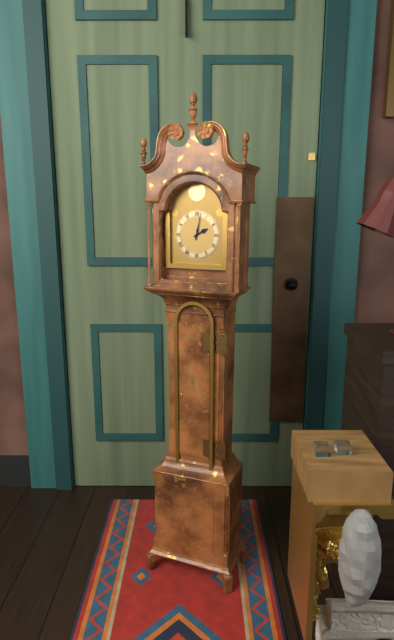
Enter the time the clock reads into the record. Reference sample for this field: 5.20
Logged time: 2.02
